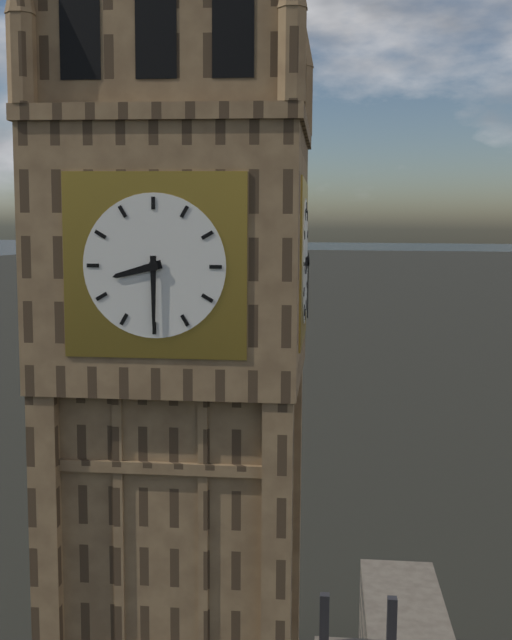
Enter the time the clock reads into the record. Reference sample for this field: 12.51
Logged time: 8.30
